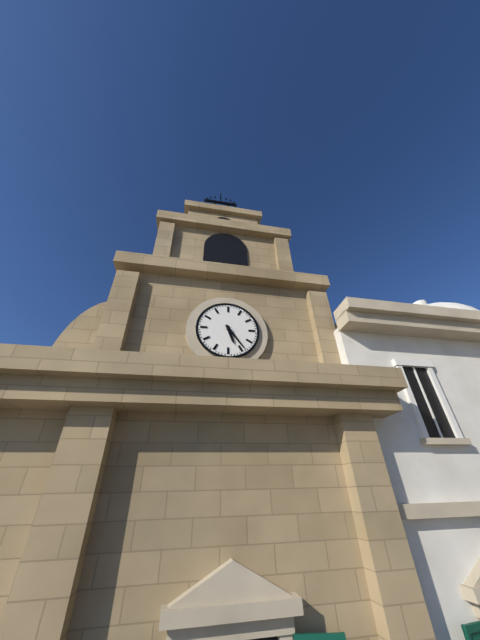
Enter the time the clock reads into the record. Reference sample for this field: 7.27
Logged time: 5.24
